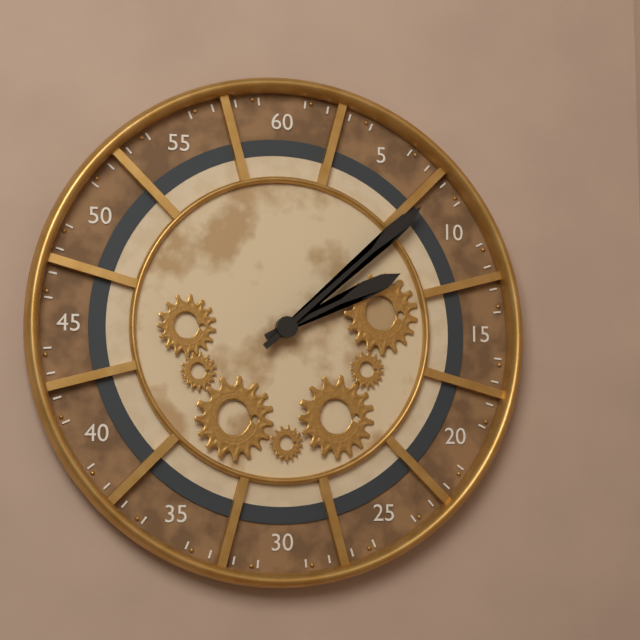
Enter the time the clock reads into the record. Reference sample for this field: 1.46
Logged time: 2.08
